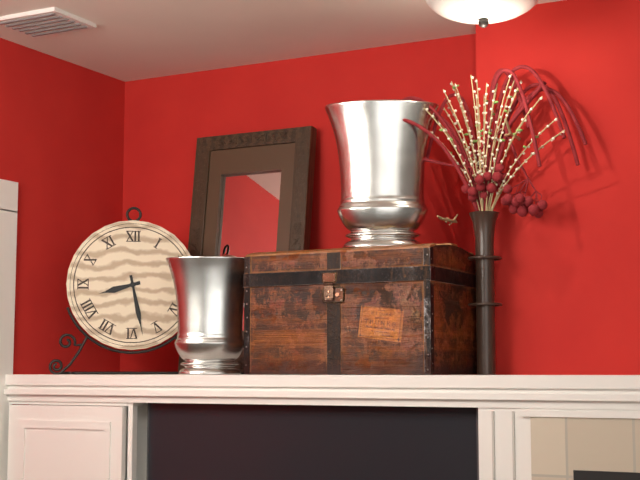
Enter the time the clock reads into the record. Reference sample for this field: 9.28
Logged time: 8.28
